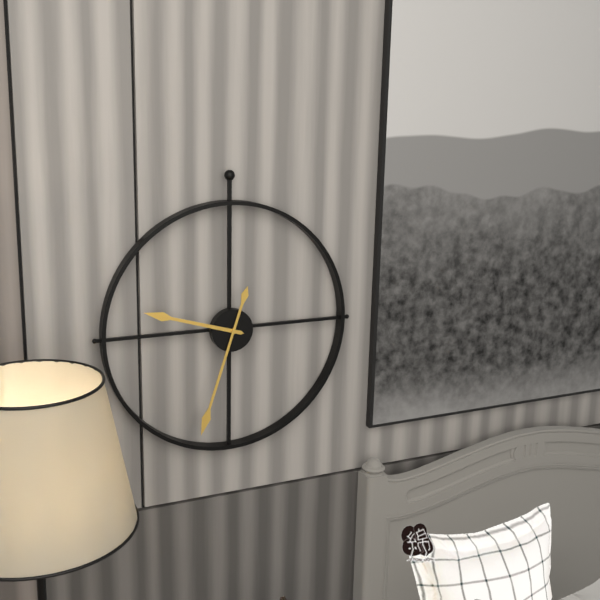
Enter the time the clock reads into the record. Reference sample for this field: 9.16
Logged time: 9.33
